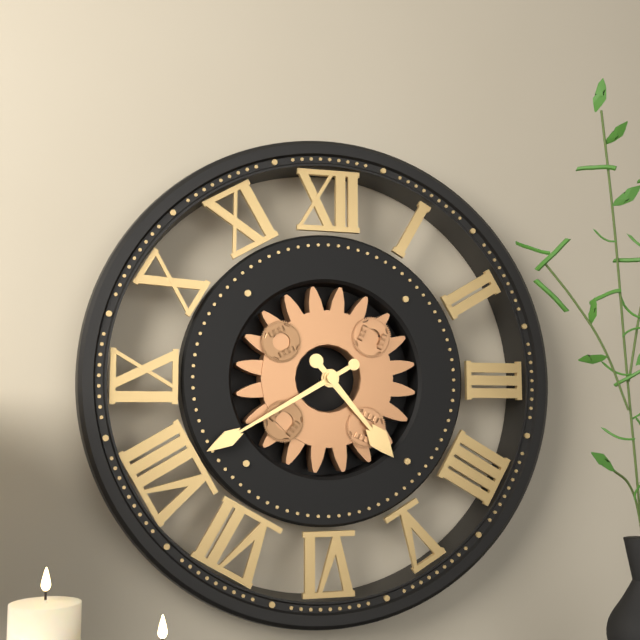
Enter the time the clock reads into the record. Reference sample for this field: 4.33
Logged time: 4.40
